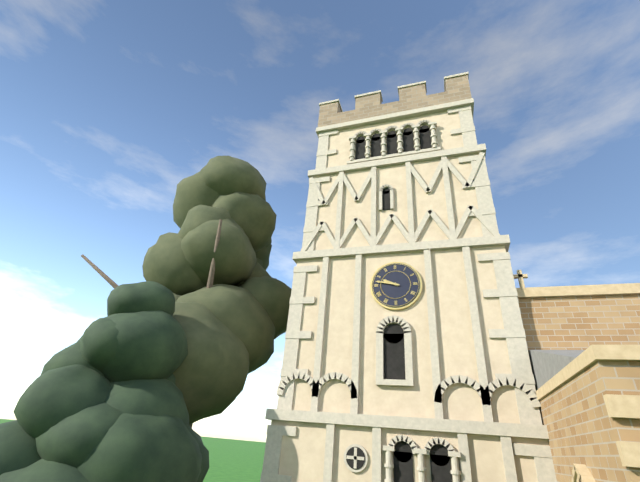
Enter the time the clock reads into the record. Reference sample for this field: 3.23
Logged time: 9.47
